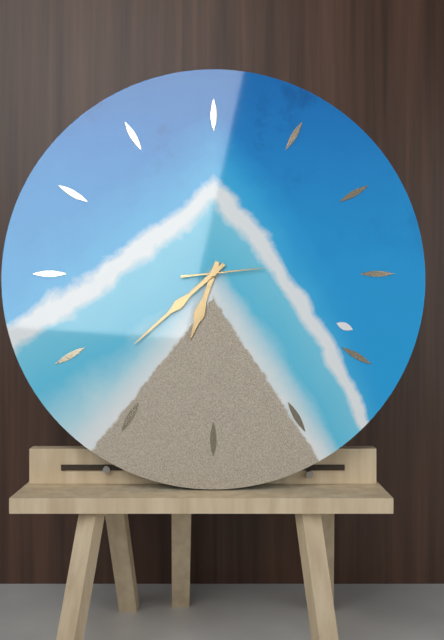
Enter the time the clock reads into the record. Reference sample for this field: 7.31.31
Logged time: 6.38.14
